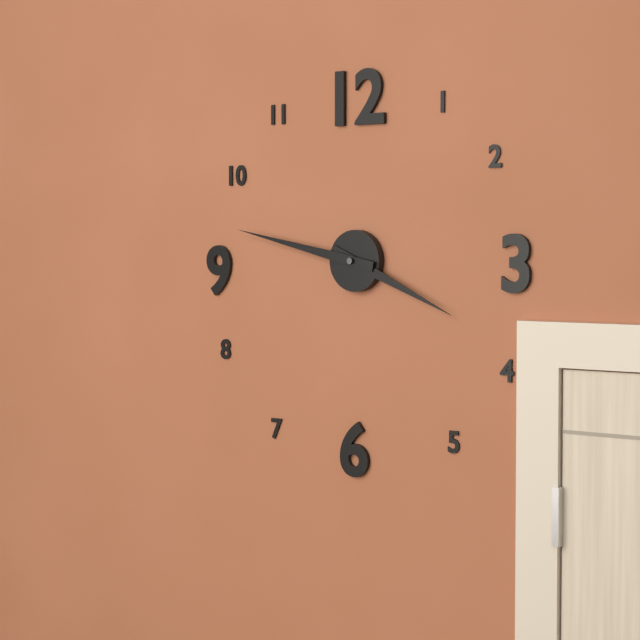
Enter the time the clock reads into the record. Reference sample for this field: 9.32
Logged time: 3.47
